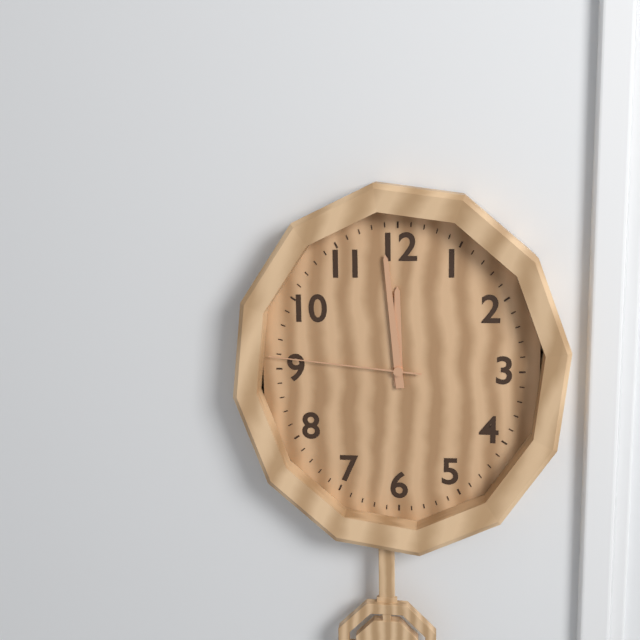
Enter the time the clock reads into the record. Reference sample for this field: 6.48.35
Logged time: 11.59.46
